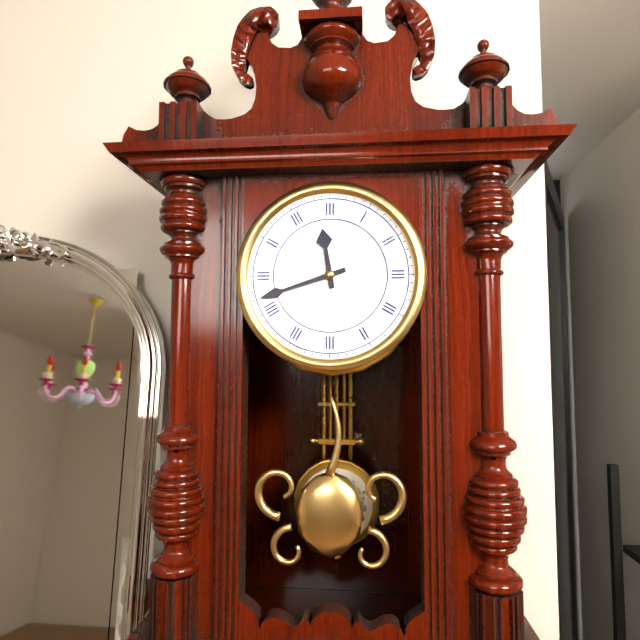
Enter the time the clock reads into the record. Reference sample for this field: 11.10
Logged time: 11.42
